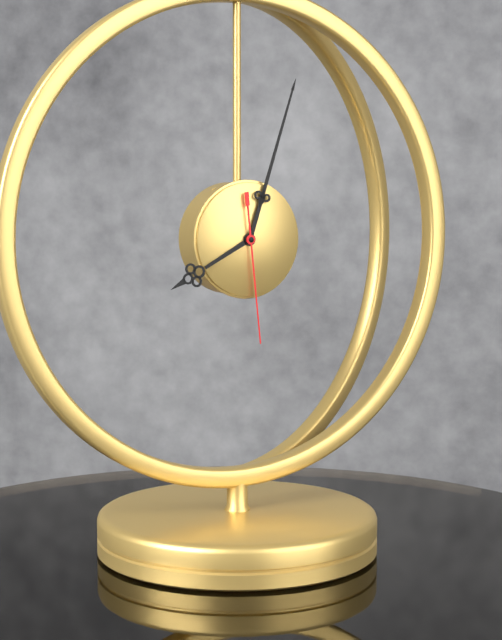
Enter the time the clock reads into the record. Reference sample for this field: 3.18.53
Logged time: 8.03.29
